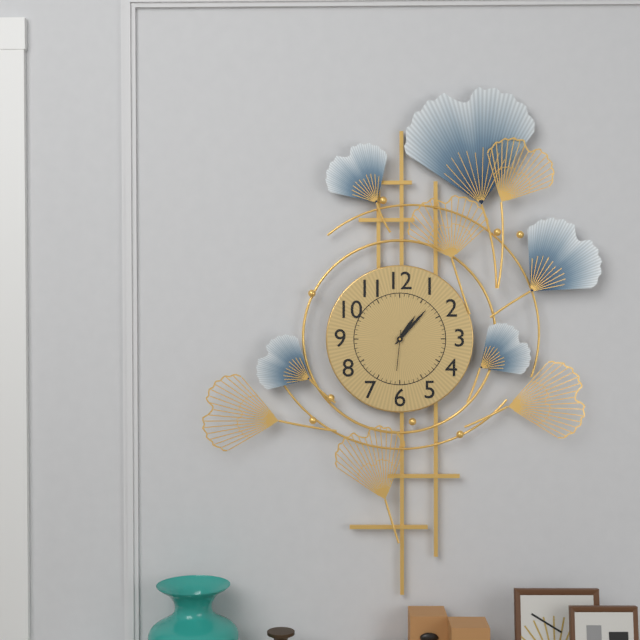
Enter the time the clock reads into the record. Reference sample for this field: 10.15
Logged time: 1.07
